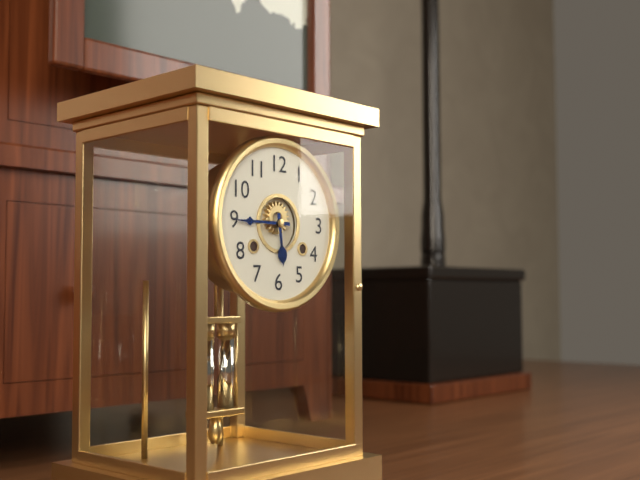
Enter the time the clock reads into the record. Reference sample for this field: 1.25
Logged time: 5.45
